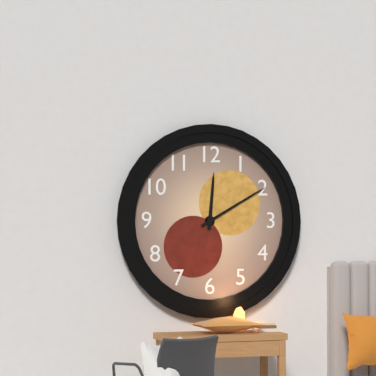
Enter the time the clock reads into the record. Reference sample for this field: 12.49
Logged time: 12.10
